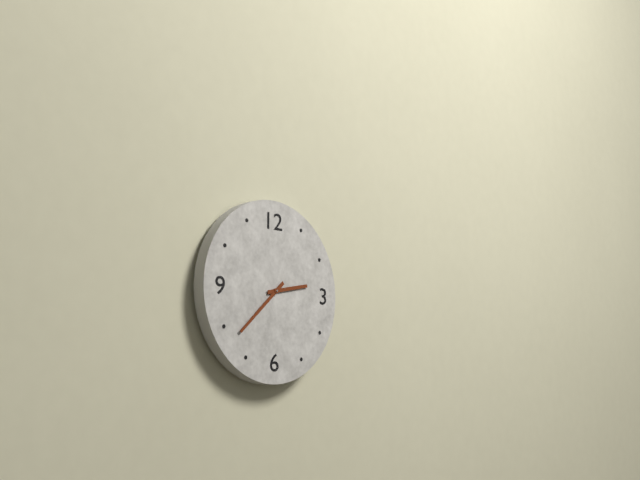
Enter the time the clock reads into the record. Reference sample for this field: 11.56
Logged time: 2.38
